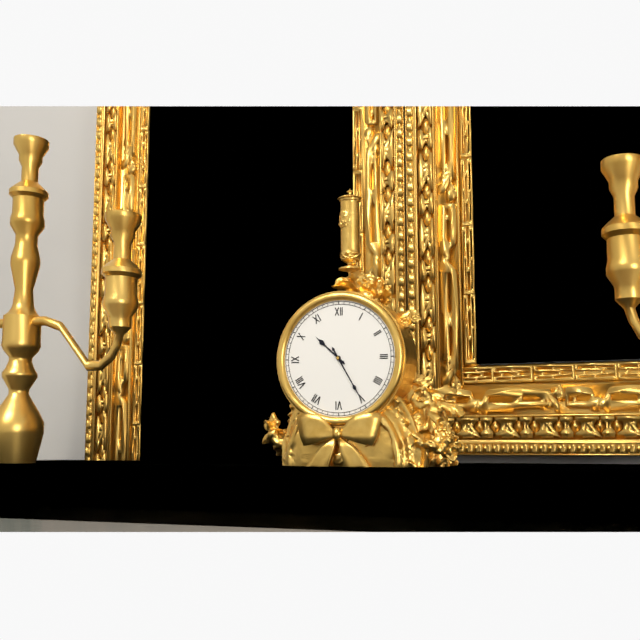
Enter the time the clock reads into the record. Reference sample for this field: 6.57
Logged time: 10.25
